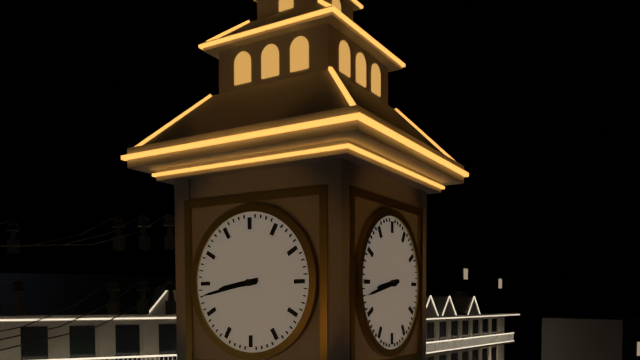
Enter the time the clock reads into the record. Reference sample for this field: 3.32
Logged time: 8.43
